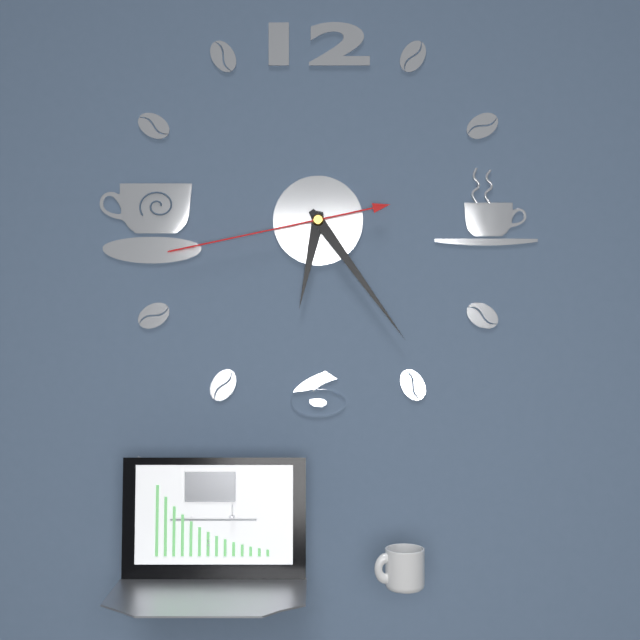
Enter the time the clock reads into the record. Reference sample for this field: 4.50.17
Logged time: 6.24.43
